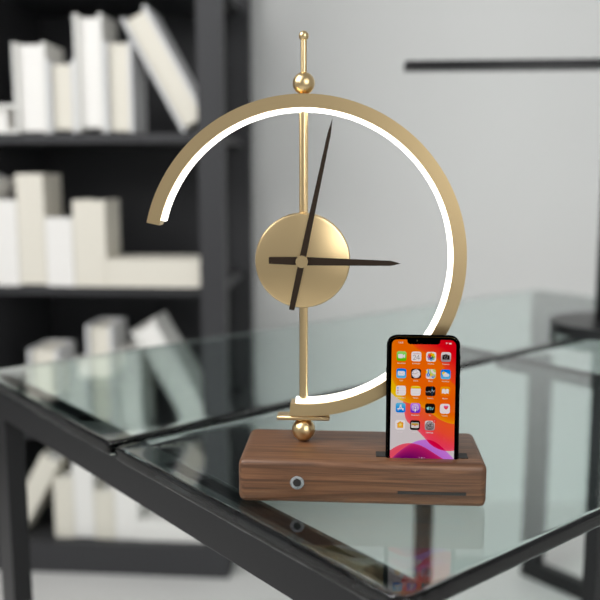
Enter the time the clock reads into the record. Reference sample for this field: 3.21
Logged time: 3.02
